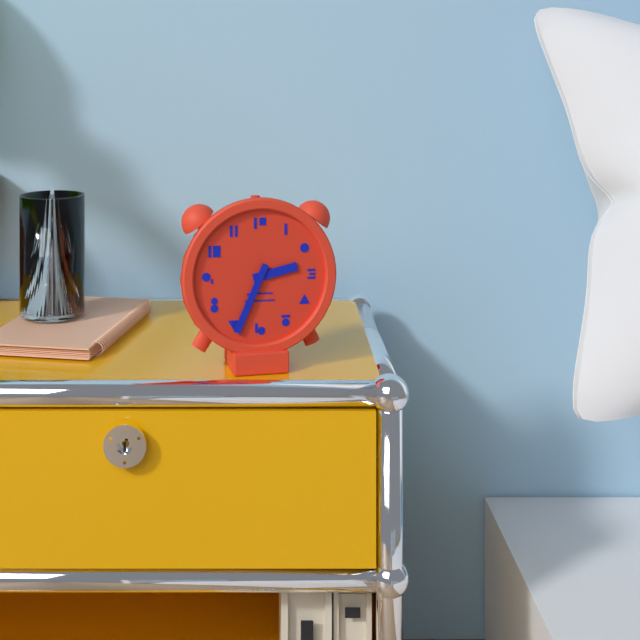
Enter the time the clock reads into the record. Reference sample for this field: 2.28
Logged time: 2.34
